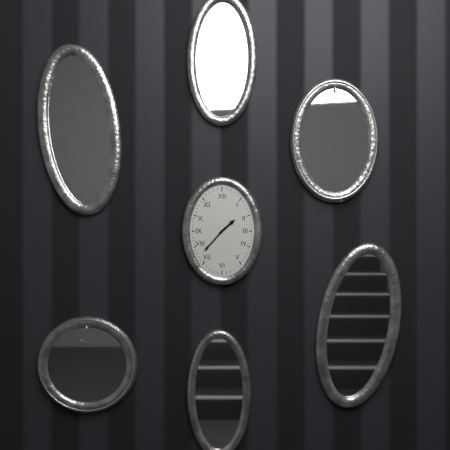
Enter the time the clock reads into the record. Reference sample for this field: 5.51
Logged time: 1.37
